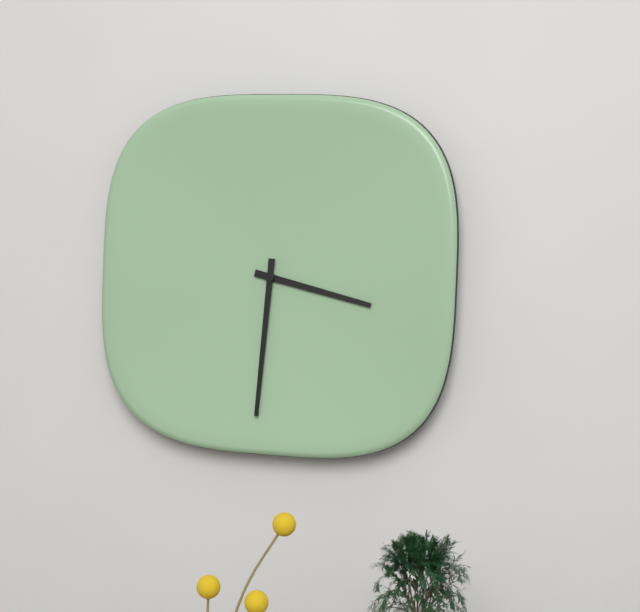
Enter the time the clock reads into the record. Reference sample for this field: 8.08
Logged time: 3.31
